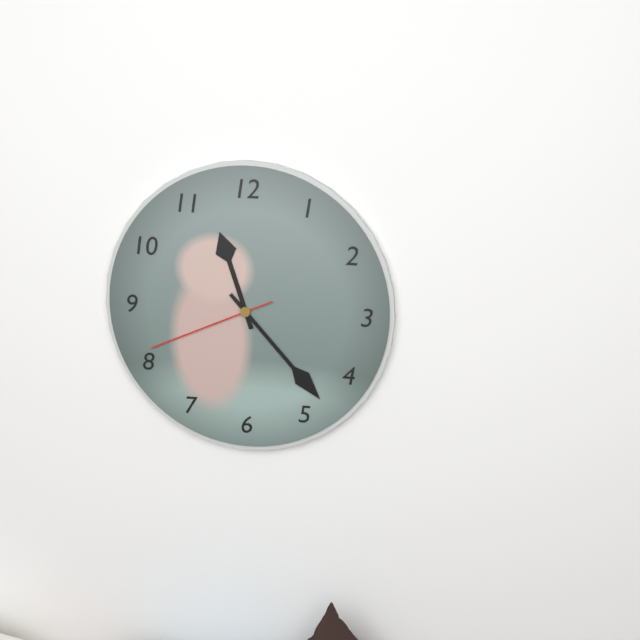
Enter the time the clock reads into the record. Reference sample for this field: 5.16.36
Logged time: 11.23.41
